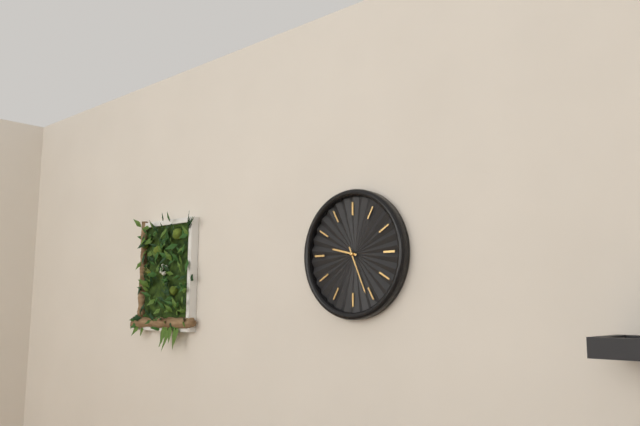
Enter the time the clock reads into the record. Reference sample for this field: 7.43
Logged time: 9.26
